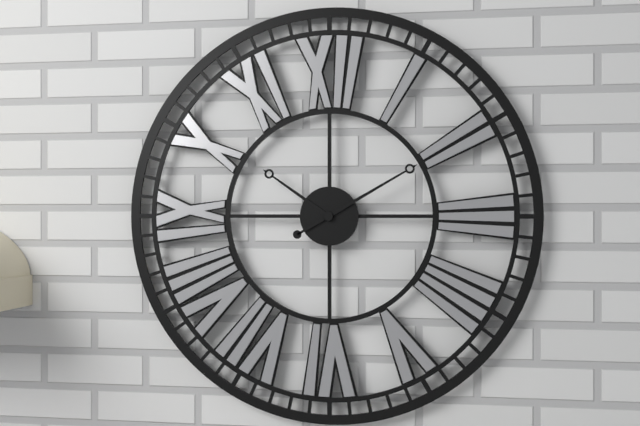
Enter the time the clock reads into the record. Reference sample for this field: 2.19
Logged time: 10.10
